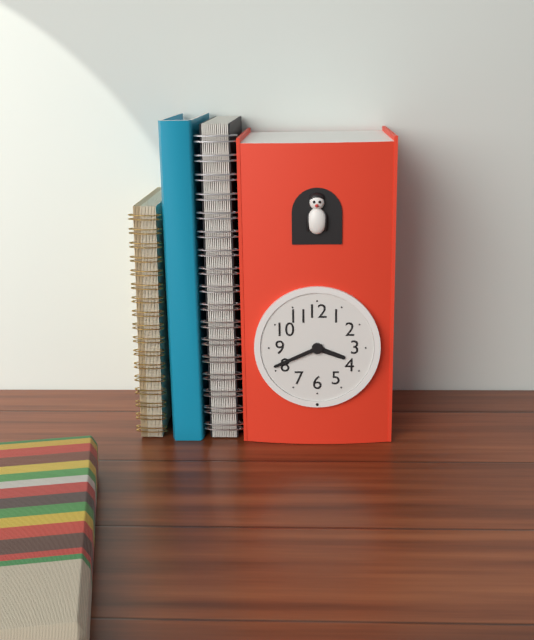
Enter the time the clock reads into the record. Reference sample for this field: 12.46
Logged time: 3.41
